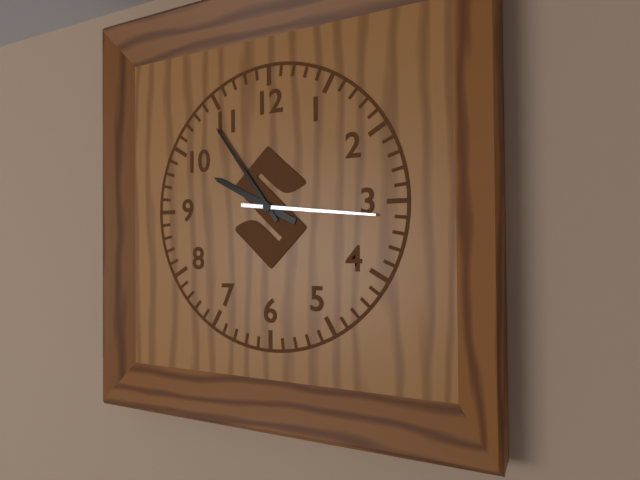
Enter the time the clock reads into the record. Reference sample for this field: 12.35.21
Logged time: 9.54.16
